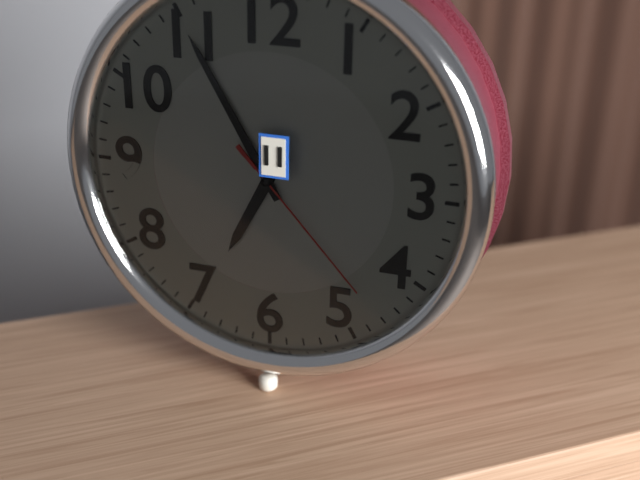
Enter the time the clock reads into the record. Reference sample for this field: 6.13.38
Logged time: 6.55.23
